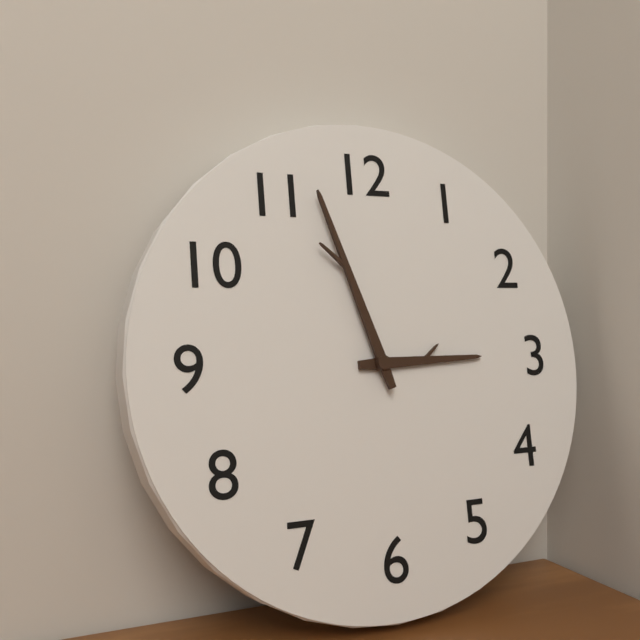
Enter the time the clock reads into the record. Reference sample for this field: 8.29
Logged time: 2.57
